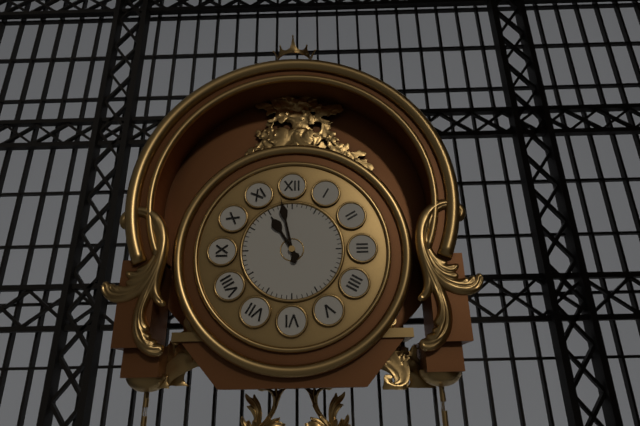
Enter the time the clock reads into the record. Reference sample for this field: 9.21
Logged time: 10.58
